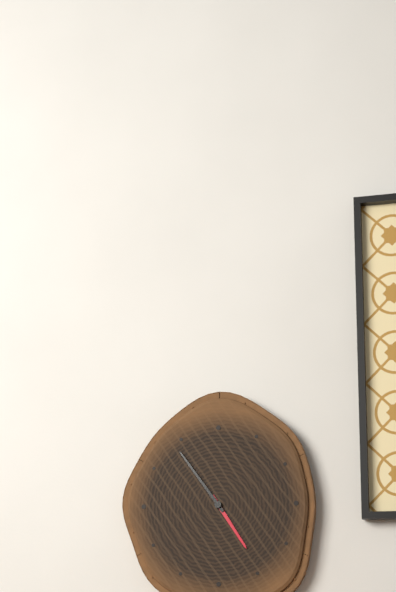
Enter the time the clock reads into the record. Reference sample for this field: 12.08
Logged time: 4.54
